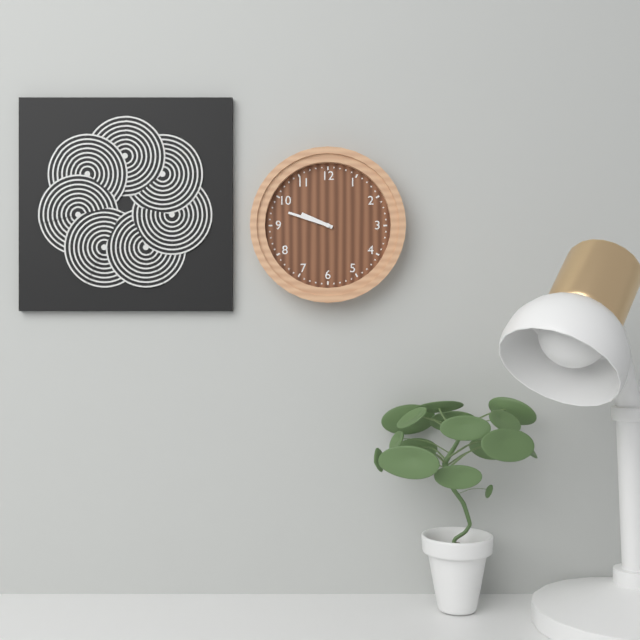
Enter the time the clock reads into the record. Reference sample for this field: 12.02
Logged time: 9.48
